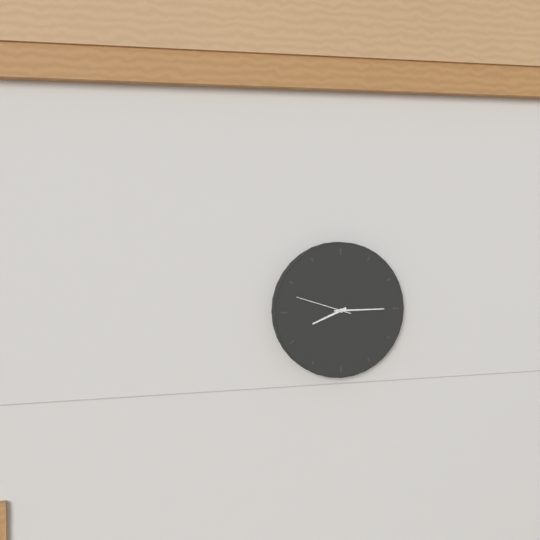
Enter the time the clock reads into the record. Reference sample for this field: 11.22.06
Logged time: 8.15.48
